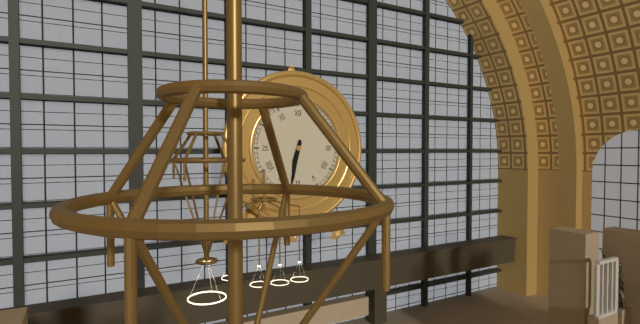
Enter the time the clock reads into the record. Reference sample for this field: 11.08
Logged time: 6.32
